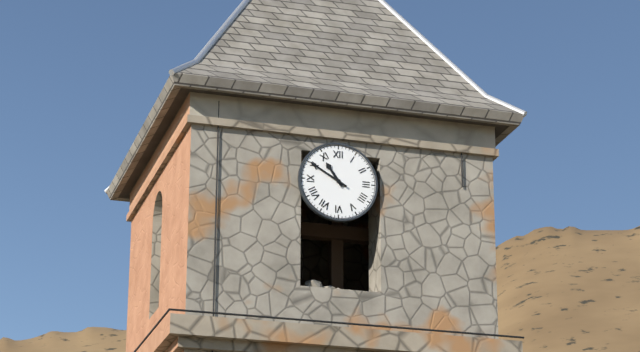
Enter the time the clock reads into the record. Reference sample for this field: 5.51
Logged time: 10.50
